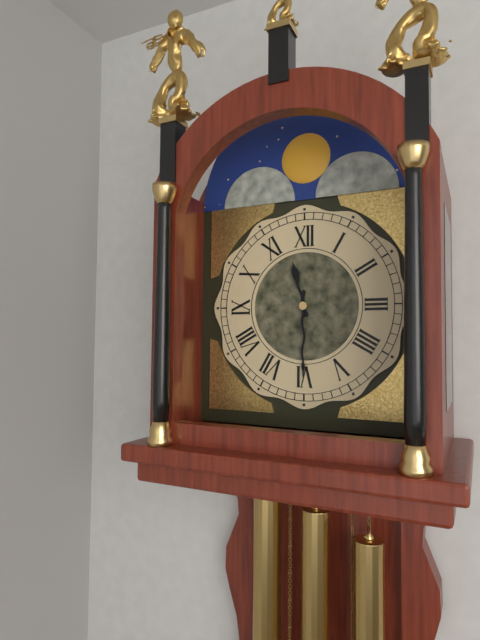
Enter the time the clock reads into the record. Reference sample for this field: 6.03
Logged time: 11.30
